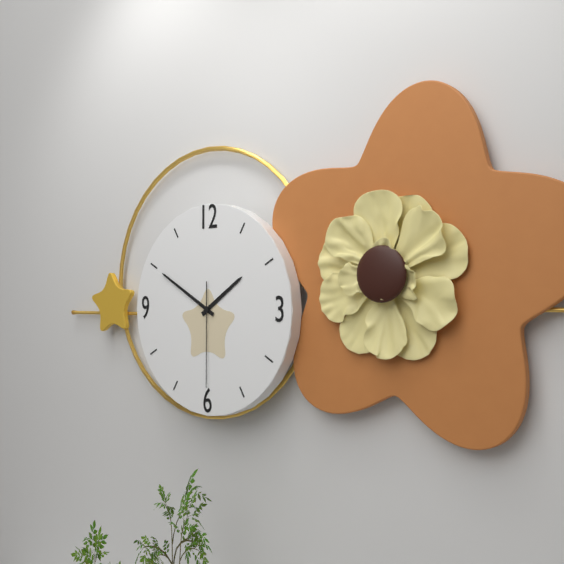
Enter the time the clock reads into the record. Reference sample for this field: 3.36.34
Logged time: 1.50.30
